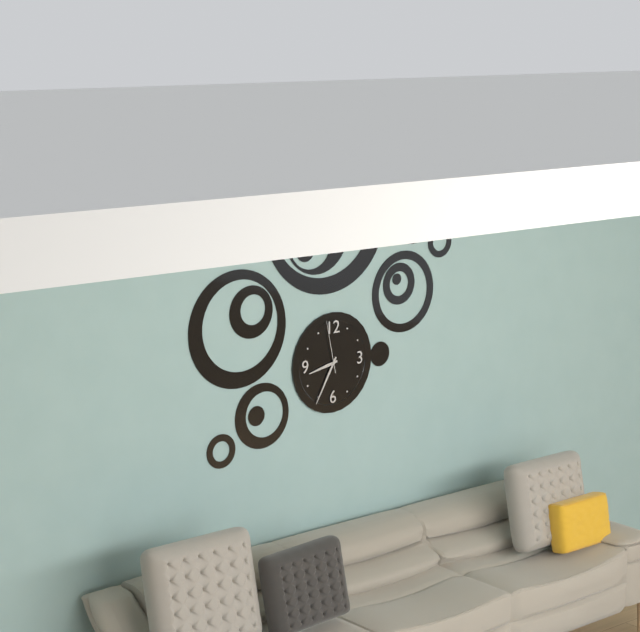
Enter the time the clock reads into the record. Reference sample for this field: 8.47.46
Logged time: 8.35.58
